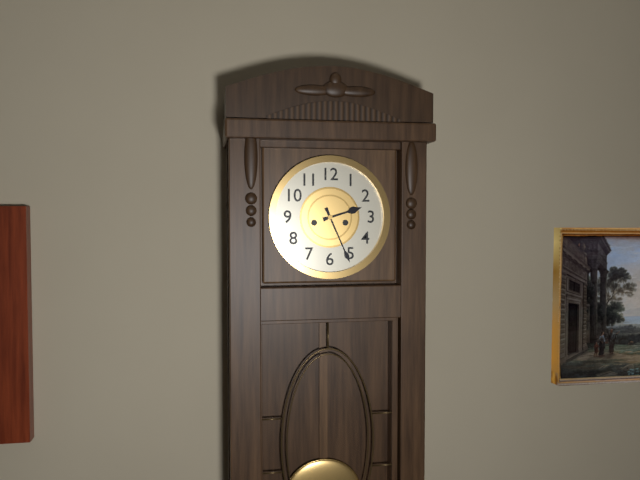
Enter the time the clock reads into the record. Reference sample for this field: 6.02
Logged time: 2.26
